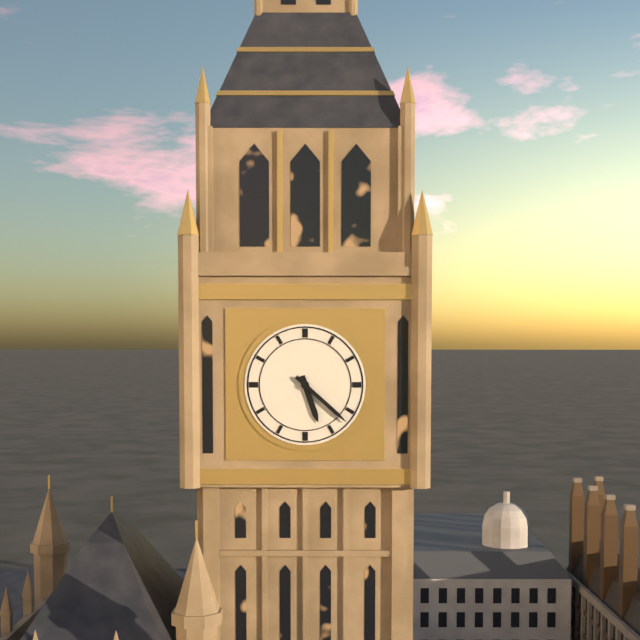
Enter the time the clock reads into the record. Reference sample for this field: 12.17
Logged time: 5.22
